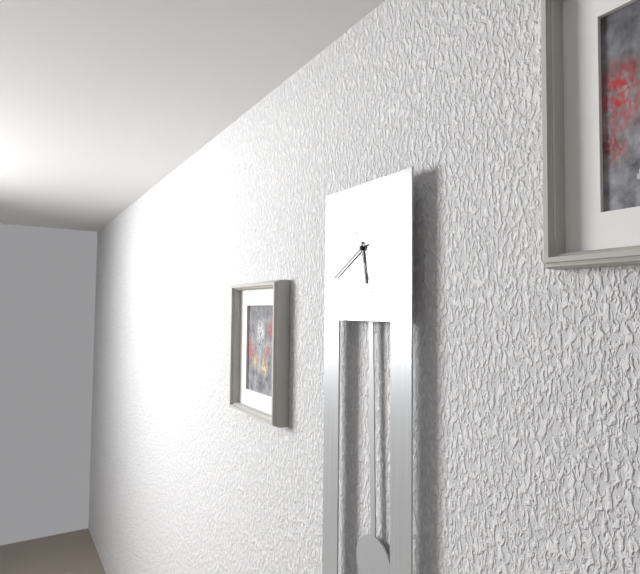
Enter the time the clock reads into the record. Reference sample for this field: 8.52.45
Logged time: 5.40.26
